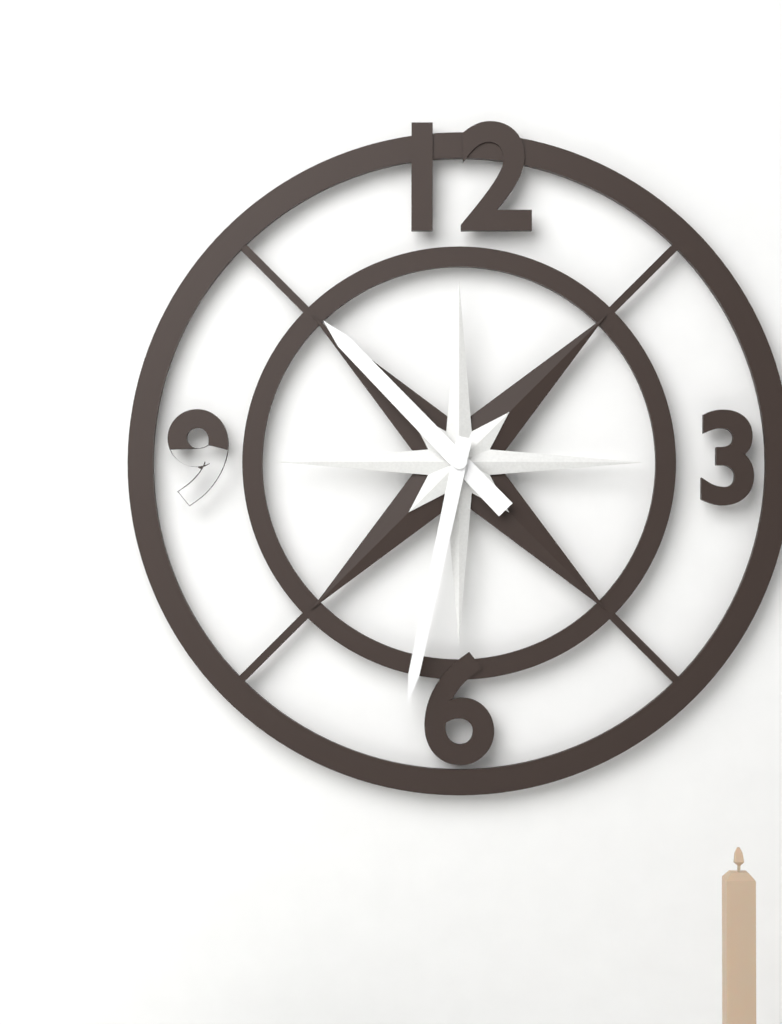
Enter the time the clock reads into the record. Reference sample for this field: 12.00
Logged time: 10.32
